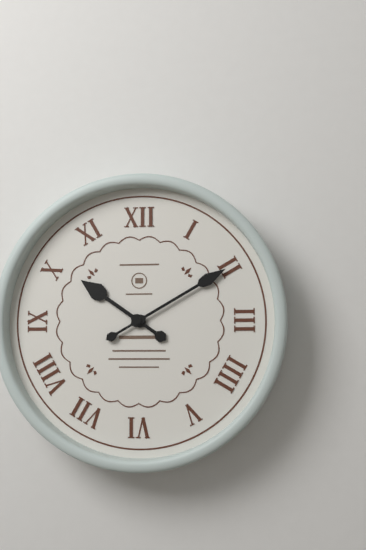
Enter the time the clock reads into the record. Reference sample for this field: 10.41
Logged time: 10.10
